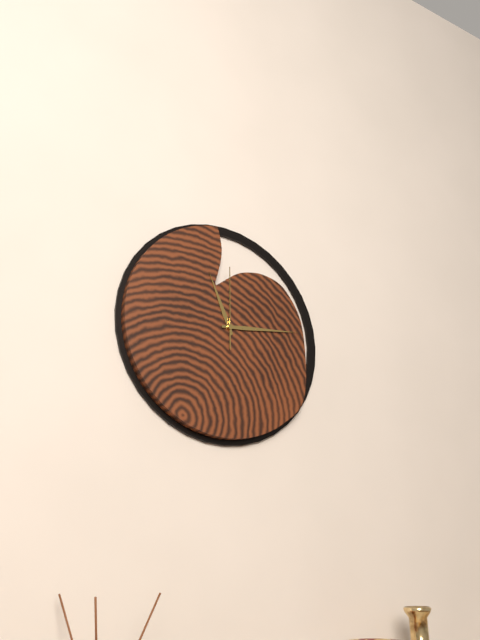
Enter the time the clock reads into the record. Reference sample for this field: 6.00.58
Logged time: 11.14.00
